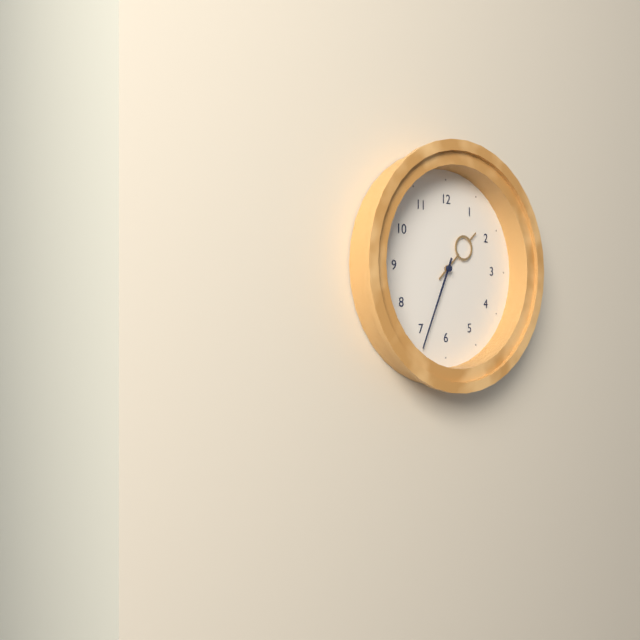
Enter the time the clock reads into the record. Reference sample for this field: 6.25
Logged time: 1.34
